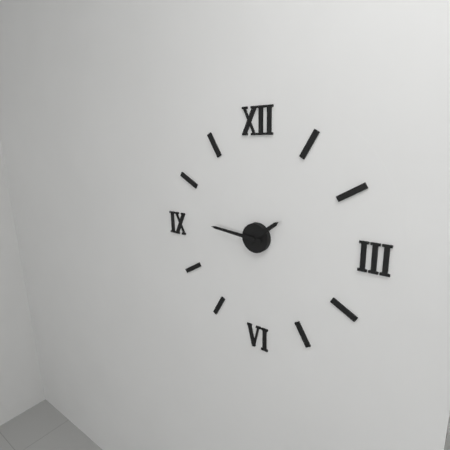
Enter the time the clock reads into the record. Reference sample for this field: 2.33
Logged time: 1.46
